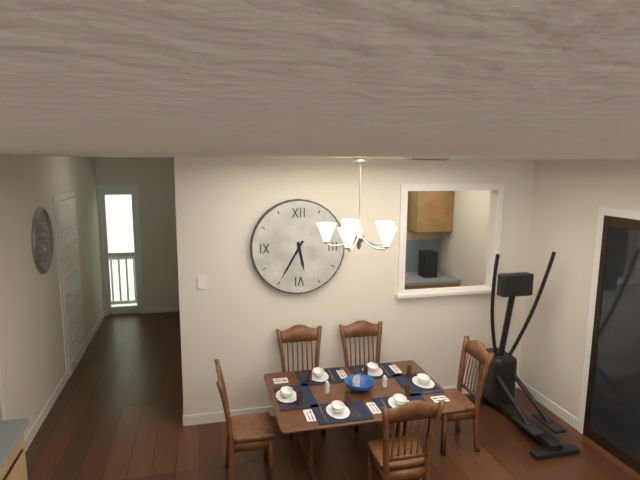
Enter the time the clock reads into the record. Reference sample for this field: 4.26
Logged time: 5.35
